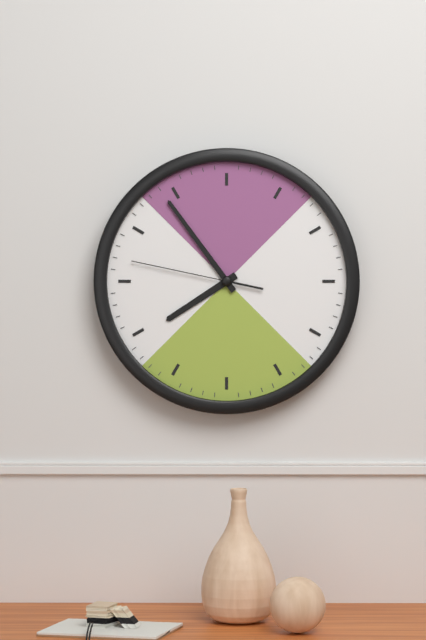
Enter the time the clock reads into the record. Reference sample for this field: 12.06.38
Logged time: 7.54.47
